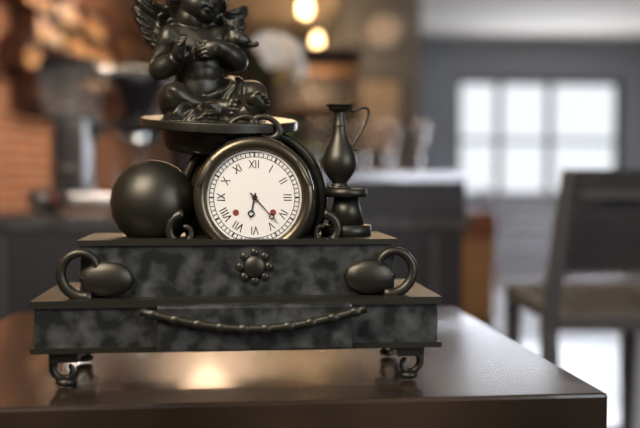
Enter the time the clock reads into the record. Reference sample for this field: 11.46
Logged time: 6.23
